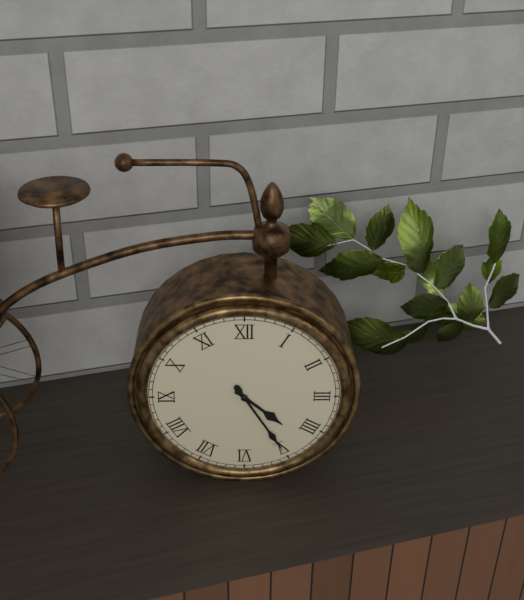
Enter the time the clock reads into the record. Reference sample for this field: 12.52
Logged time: 4.25
